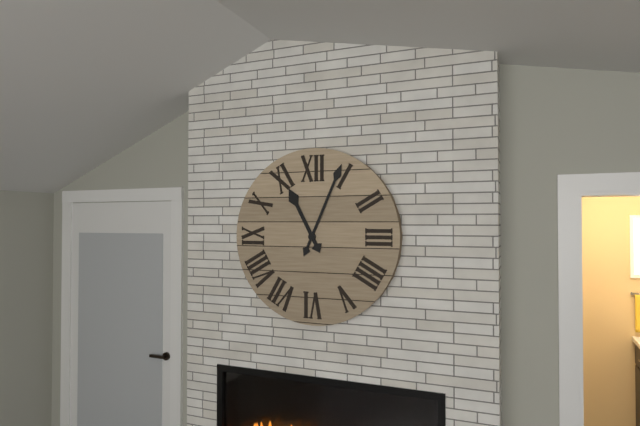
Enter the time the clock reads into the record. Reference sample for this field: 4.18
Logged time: 11.04
